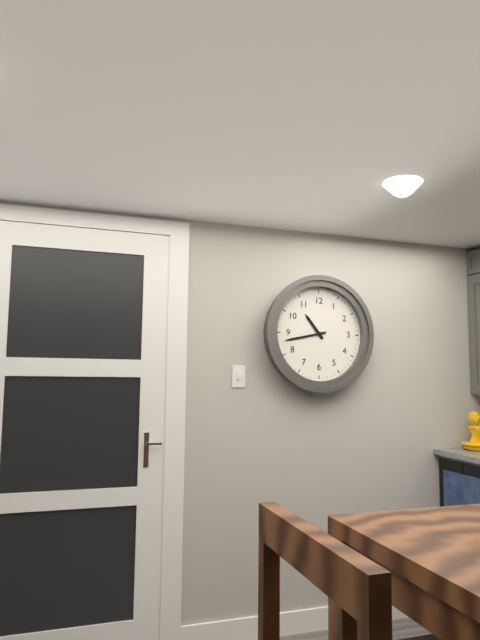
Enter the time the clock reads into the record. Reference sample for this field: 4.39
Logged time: 10.43
